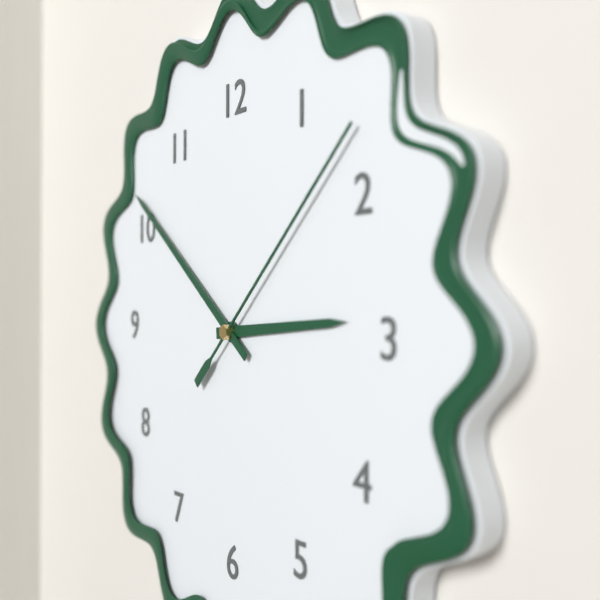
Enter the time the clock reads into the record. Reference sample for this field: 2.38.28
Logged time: 2.51.08
